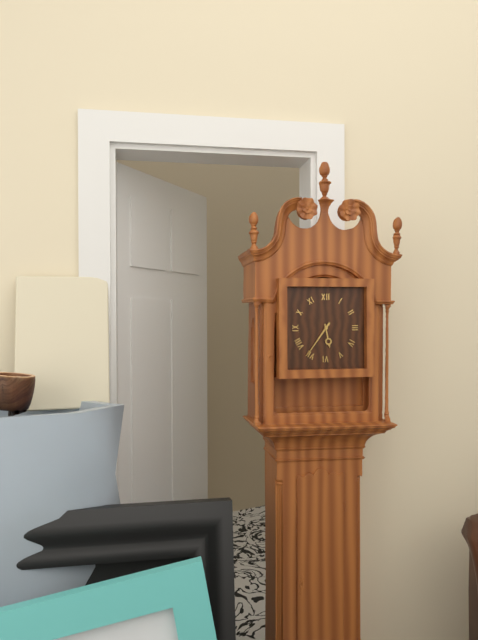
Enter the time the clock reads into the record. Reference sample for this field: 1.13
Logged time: 5.36
